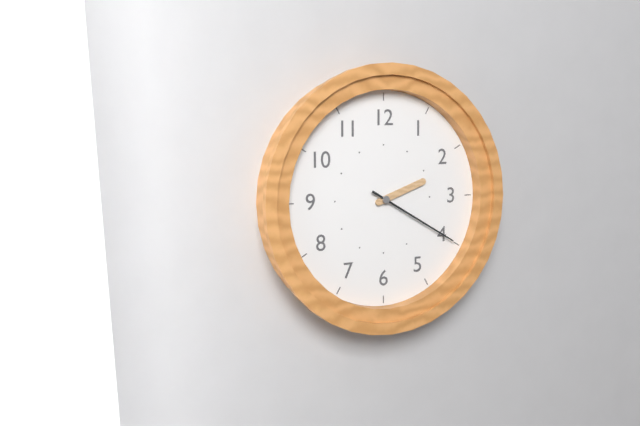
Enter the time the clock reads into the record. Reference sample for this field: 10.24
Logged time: 2.20
